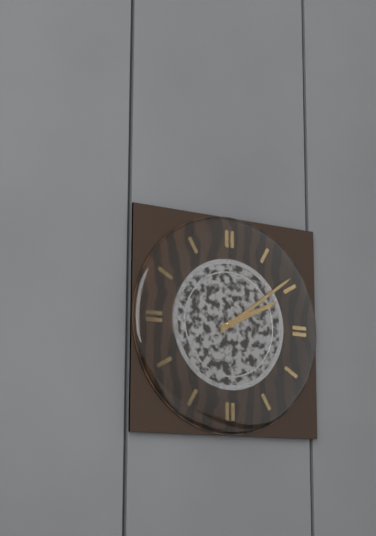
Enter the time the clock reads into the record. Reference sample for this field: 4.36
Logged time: 2.09
